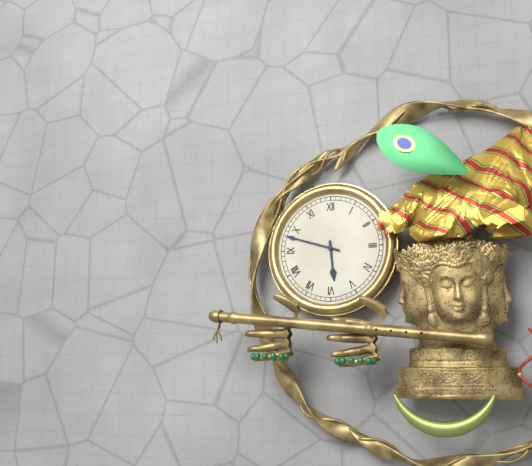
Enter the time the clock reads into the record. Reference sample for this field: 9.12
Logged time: 5.48
